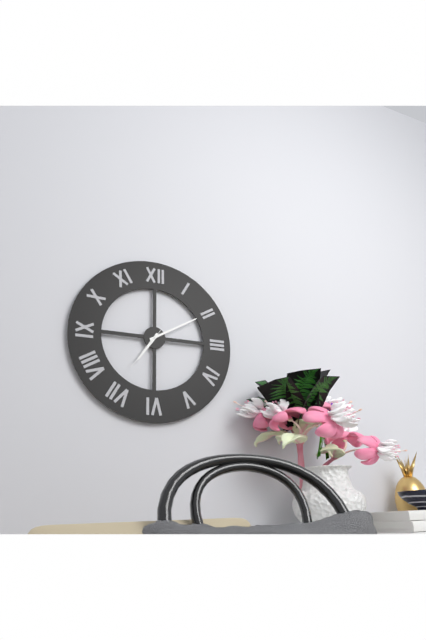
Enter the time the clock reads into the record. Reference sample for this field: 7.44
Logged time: 7.10
